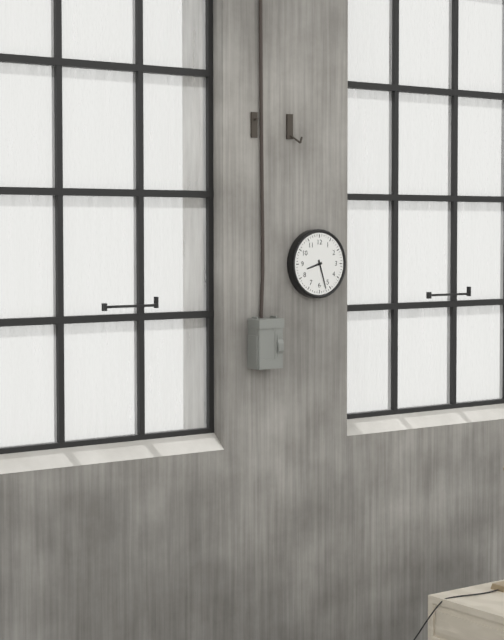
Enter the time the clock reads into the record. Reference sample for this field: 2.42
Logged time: 8.27
